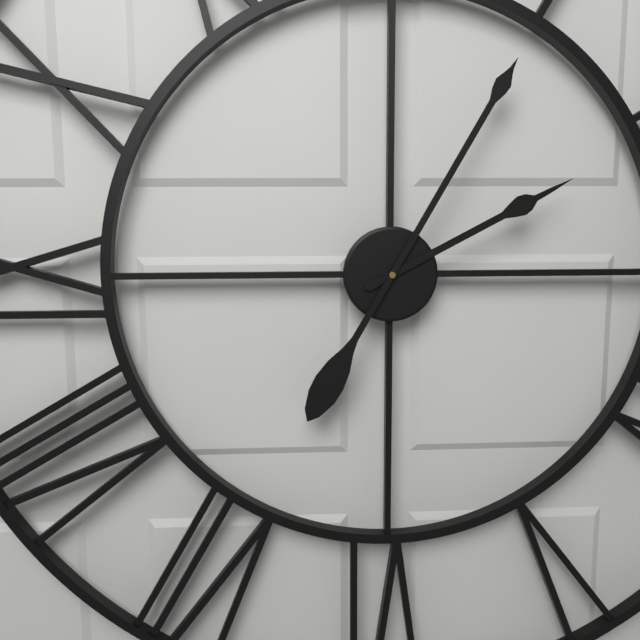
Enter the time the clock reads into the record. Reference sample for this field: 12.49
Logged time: 2.05
